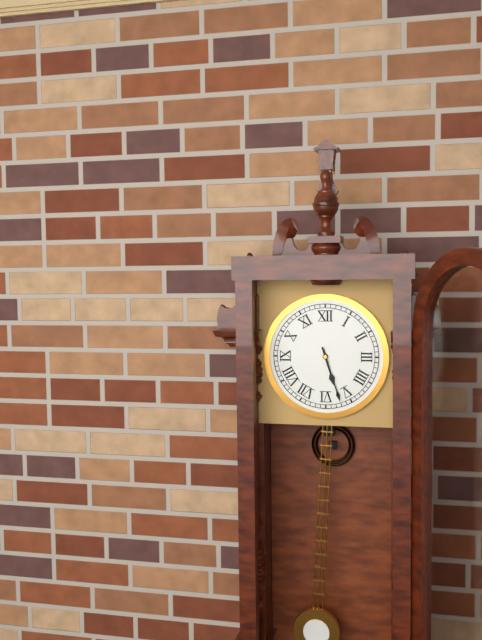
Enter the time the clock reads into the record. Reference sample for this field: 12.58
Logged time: 5.27
